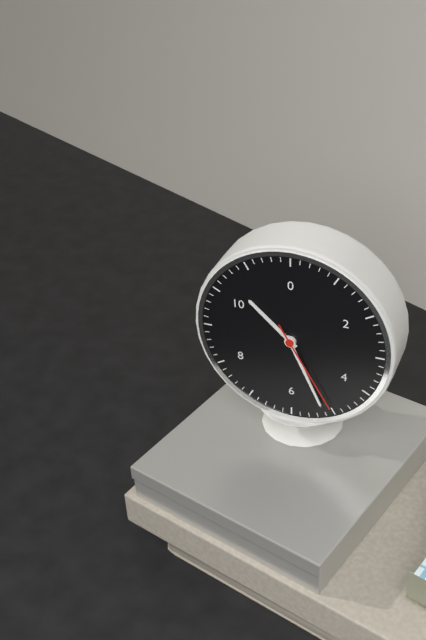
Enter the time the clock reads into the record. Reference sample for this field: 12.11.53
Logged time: 10.26.25
